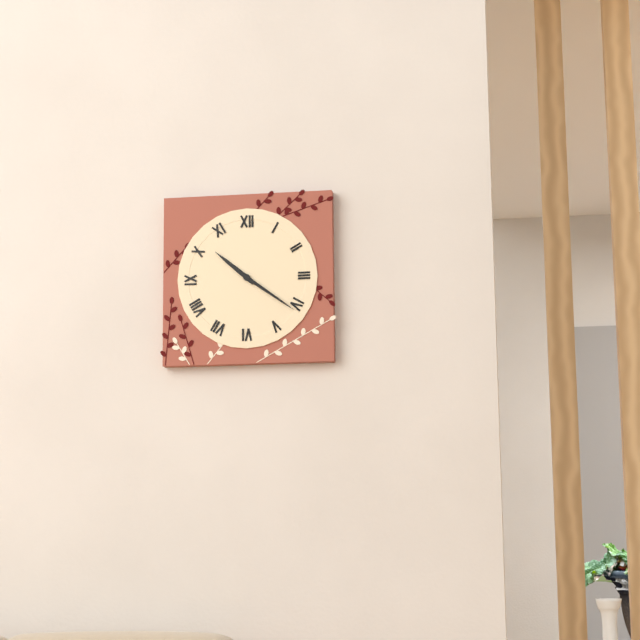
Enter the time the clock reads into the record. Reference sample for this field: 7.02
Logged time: 10.21
